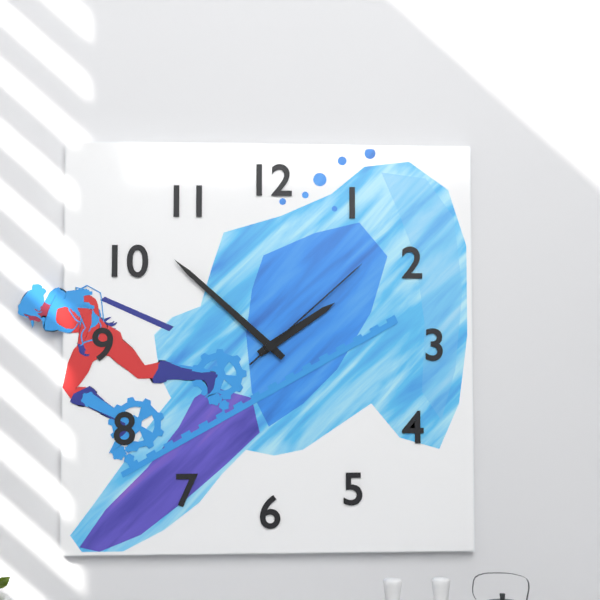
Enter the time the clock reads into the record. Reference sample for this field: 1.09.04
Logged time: 1.52.08
